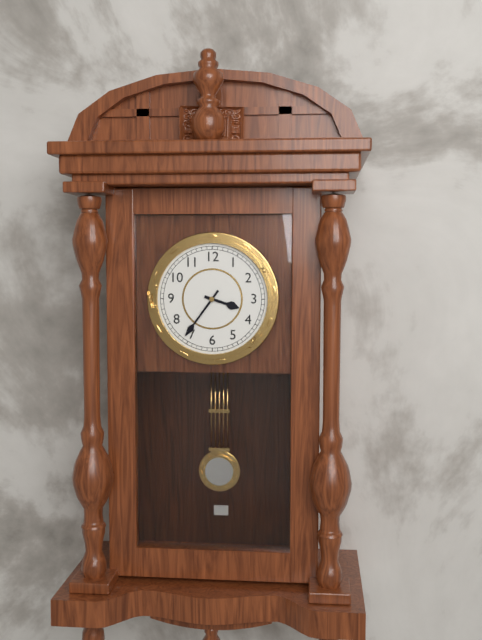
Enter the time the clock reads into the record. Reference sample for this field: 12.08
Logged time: 3.36
